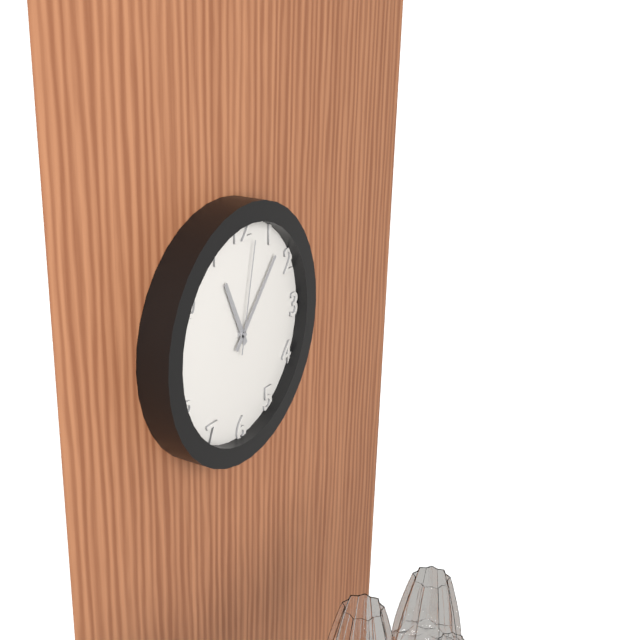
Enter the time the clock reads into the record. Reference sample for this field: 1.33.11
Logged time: 11.07.02
